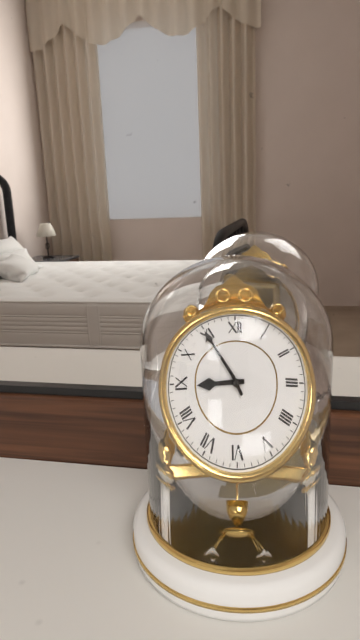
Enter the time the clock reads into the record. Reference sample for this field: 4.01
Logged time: 8.55
